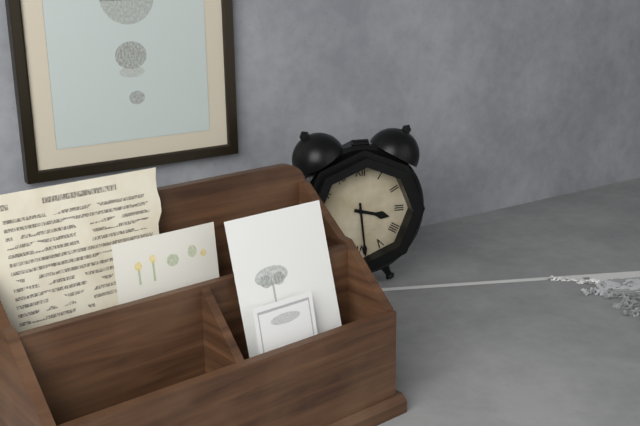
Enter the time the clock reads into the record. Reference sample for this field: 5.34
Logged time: 3.29
